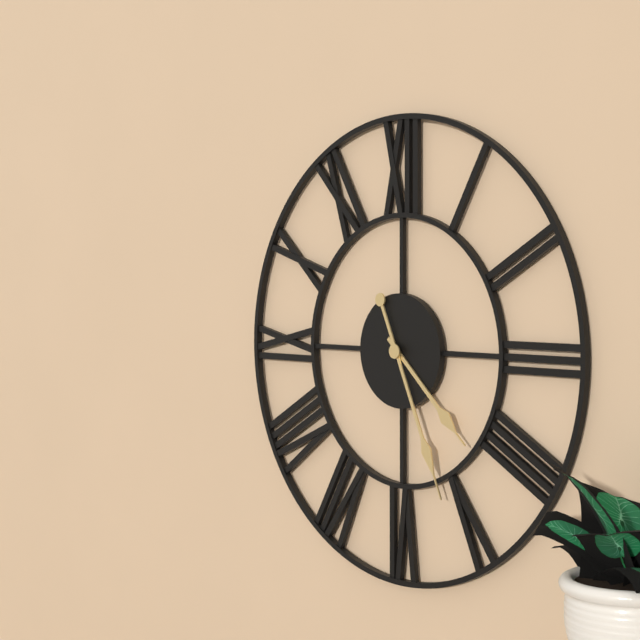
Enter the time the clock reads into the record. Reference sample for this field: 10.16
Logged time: 4.26
